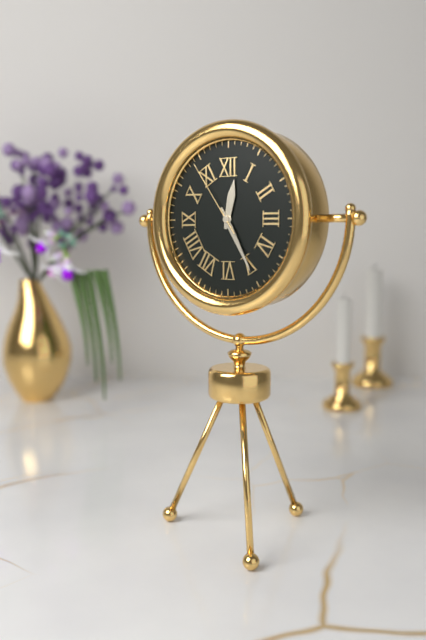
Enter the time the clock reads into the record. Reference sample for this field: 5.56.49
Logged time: 12.25.54
